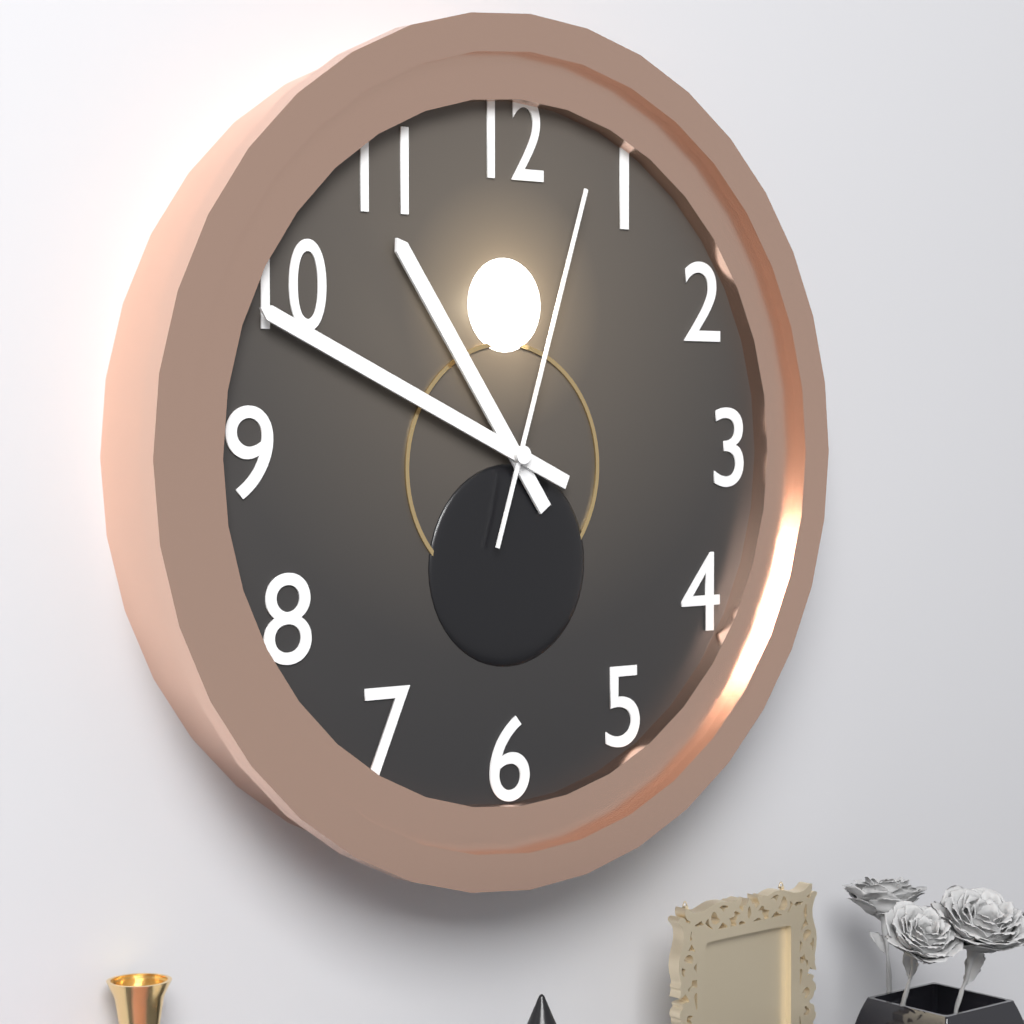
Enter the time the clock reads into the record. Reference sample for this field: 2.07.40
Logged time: 10.49.03
